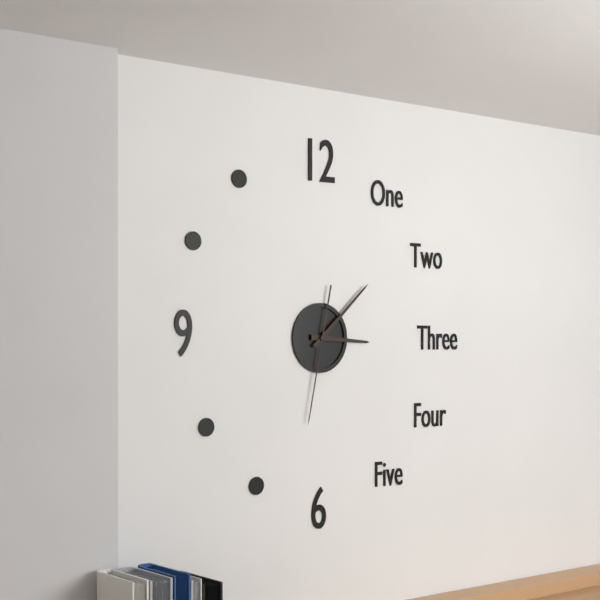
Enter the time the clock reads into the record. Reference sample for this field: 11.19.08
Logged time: 3.08.32
